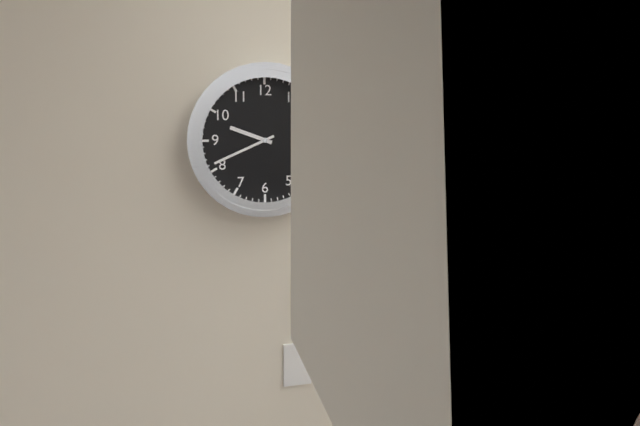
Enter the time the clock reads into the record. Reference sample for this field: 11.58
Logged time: 9.41
